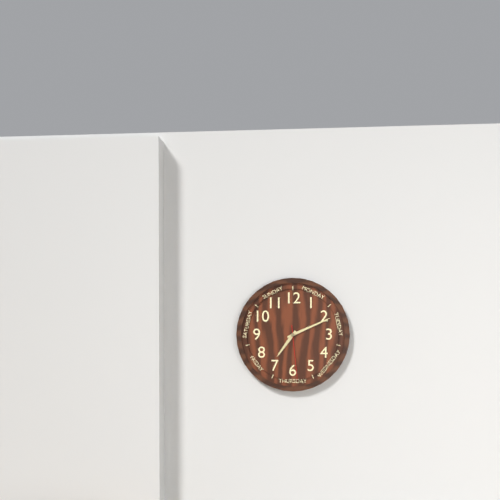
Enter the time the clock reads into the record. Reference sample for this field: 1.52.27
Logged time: 7.11.29
